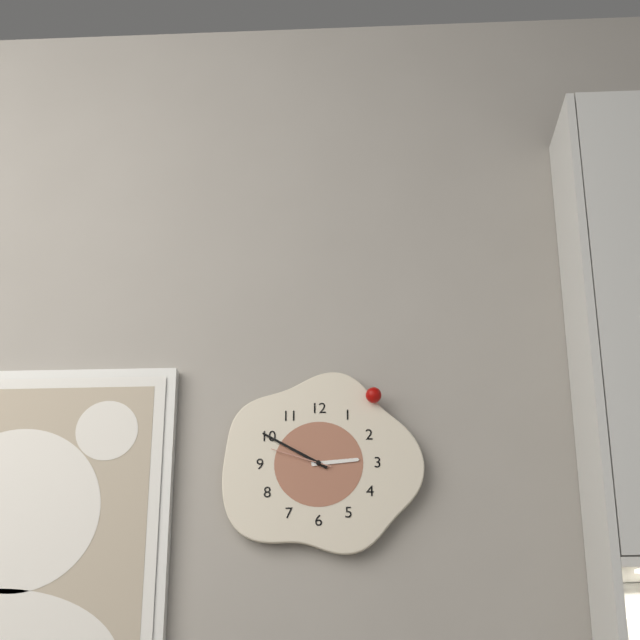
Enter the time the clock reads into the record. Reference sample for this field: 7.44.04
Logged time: 2.50.48
